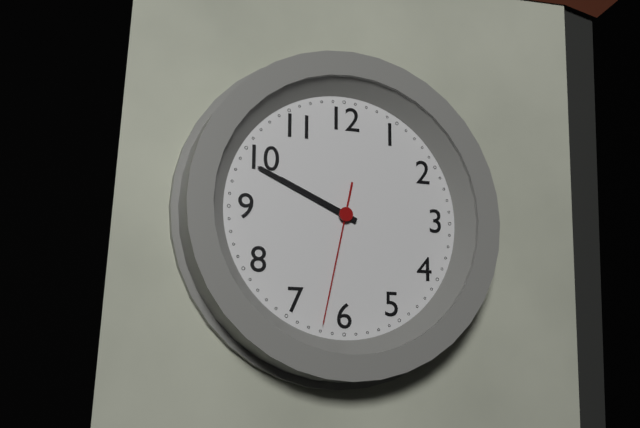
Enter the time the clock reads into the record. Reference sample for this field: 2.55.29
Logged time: 9.49.32
